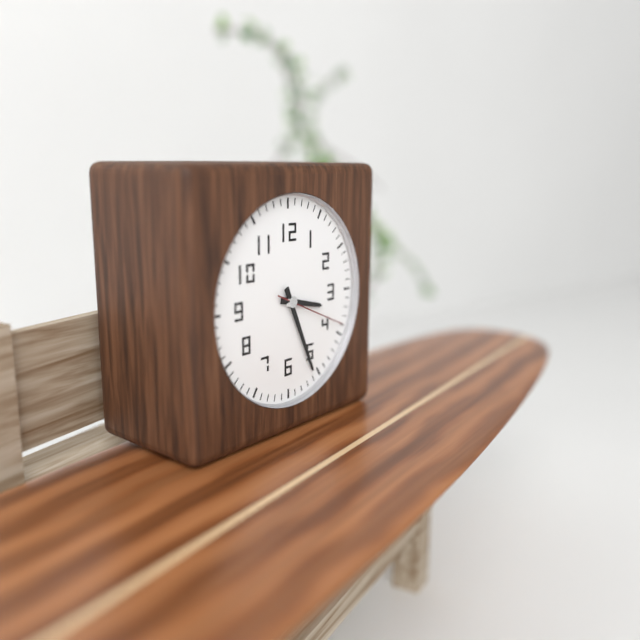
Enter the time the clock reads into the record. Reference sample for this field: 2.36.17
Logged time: 3.26.19
